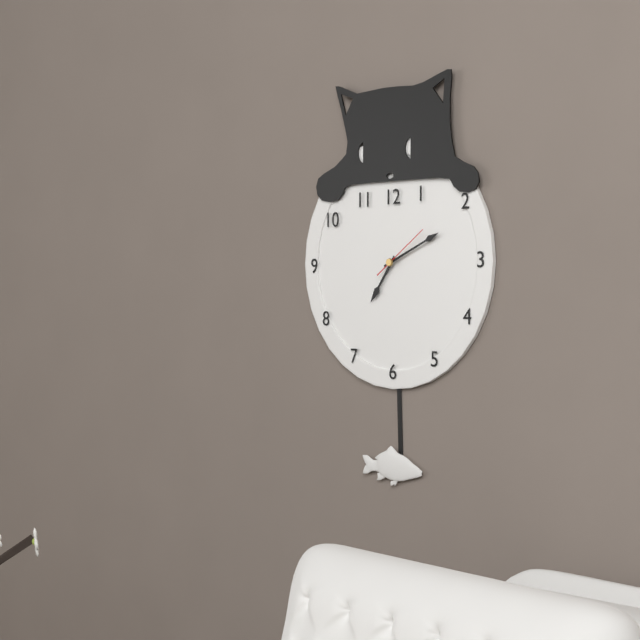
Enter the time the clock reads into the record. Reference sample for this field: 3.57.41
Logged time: 7.11.09
